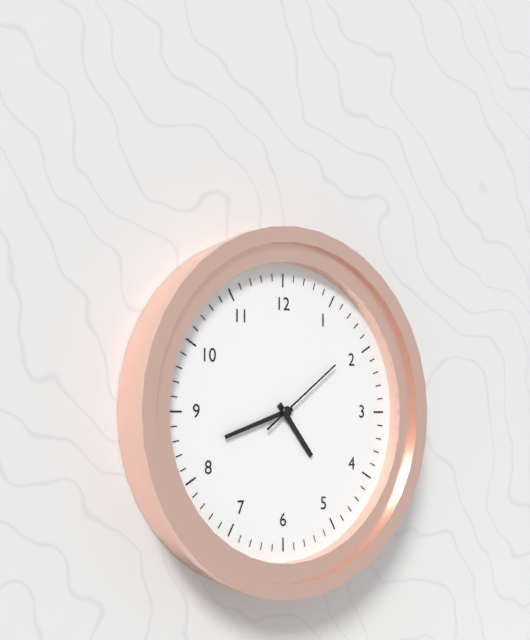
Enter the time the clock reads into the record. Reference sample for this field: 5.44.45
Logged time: 4.42.09
